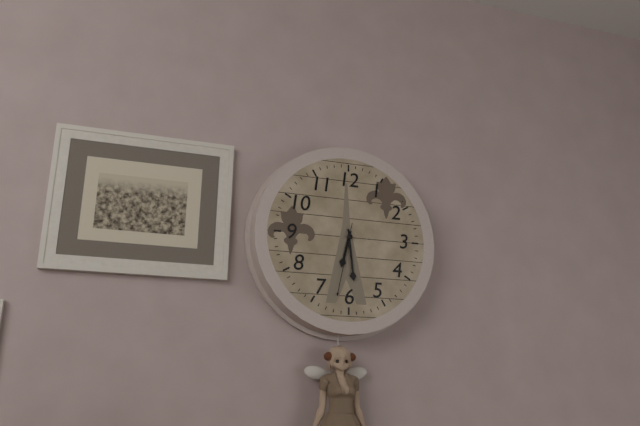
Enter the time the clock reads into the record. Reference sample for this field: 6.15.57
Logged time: 6.29.32
